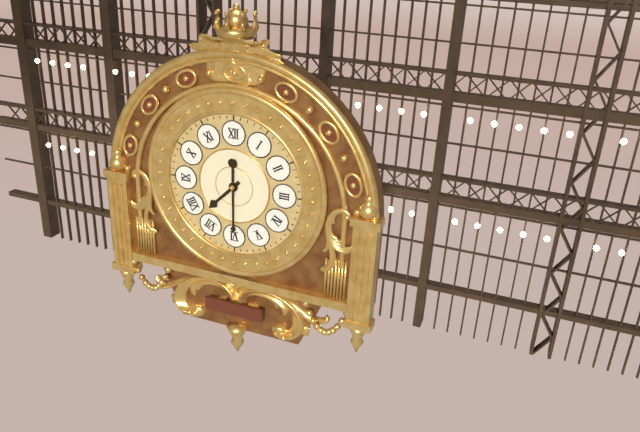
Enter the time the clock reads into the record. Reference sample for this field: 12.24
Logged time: 7.30
